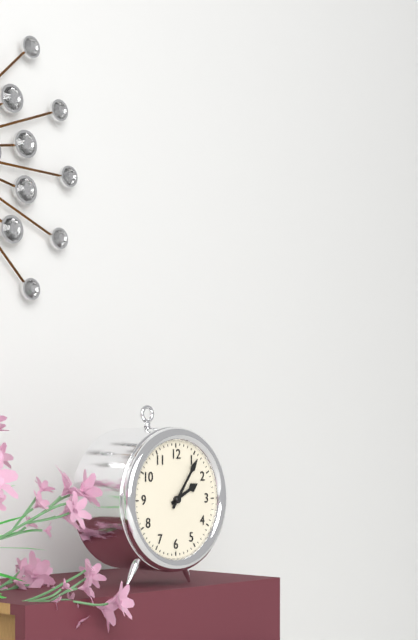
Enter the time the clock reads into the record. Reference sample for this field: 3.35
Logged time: 2.06
